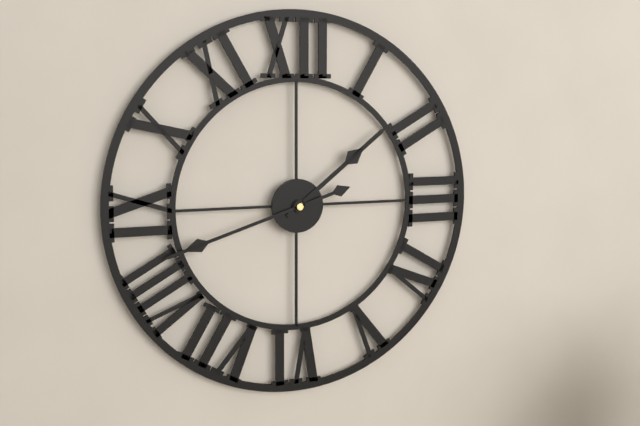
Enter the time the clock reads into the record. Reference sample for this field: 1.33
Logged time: 1.42
